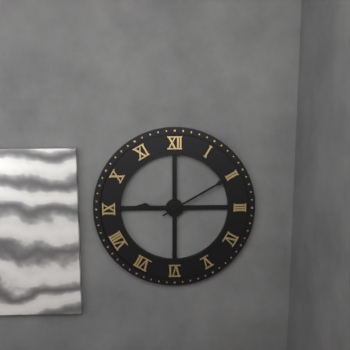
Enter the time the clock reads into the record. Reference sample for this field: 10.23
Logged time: 9.10
